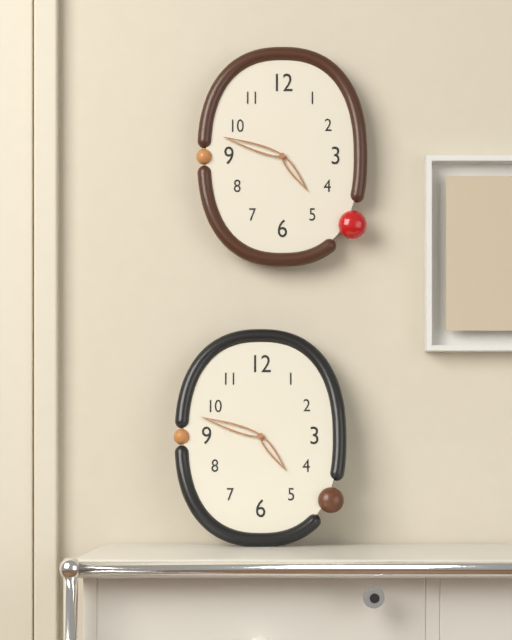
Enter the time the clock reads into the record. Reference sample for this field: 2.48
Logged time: 4.48
